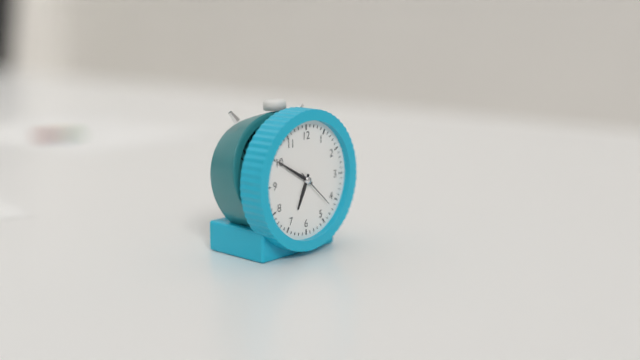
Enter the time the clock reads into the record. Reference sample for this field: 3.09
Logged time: 6.50
